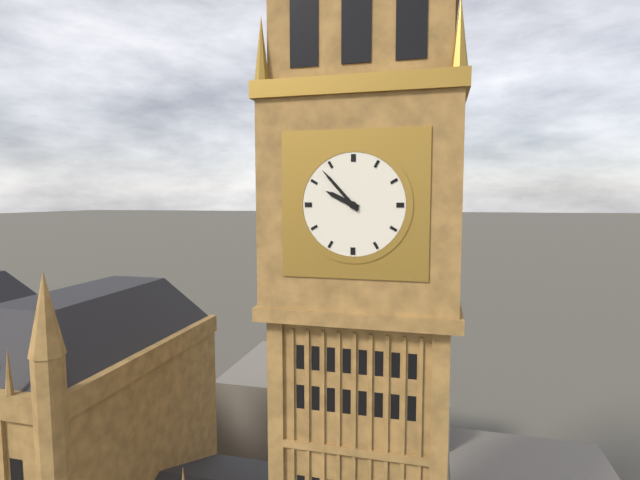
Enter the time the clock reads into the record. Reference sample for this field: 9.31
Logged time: 9.53
